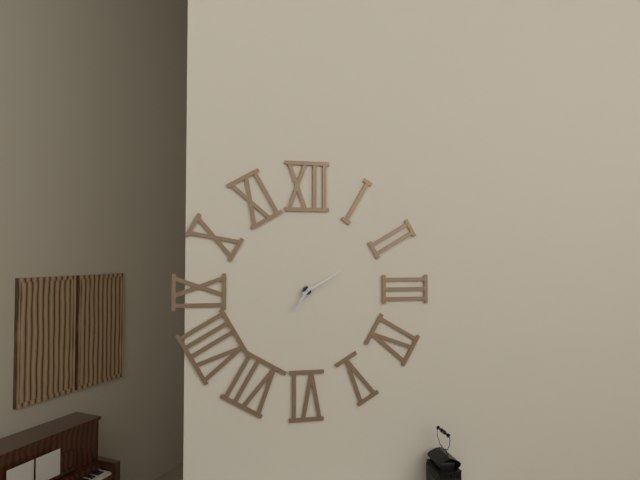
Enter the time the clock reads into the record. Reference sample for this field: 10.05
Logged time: 7.10
